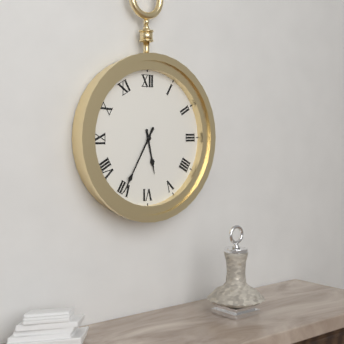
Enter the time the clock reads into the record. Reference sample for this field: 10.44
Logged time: 5.35
